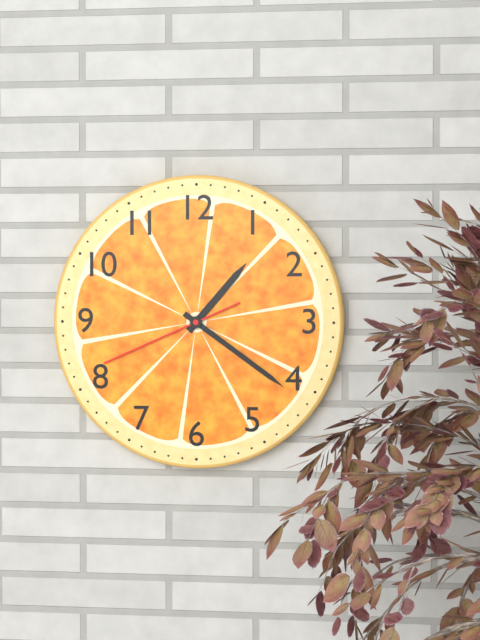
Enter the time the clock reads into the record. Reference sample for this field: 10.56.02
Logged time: 1.21.41
